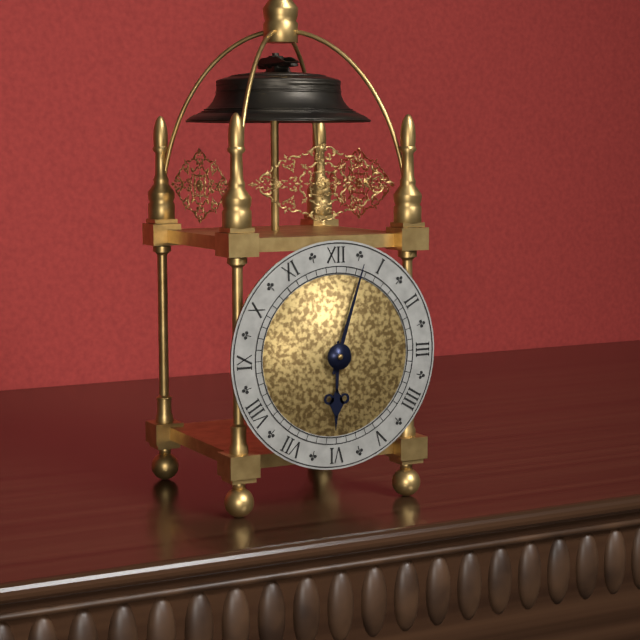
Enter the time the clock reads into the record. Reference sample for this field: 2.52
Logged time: 6.03
